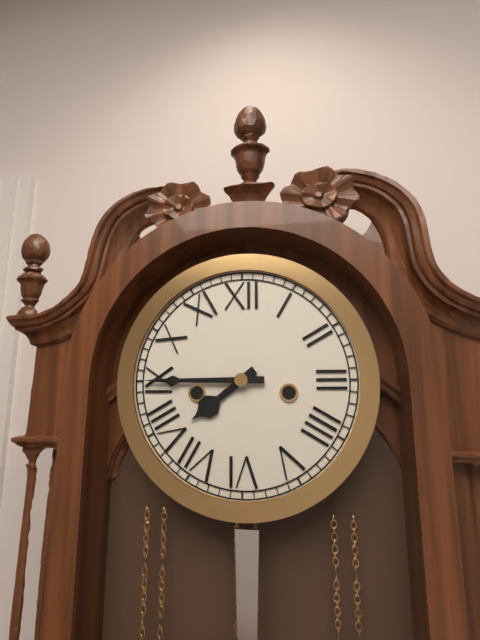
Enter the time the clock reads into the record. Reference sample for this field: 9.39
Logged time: 7.45
